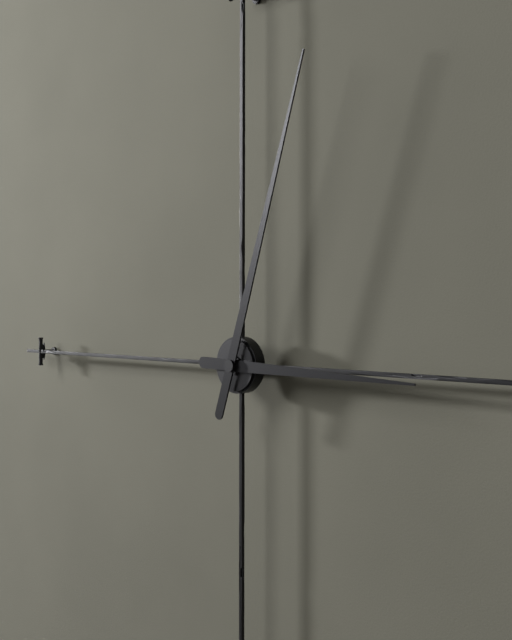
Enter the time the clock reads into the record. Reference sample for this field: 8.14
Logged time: 3.03
